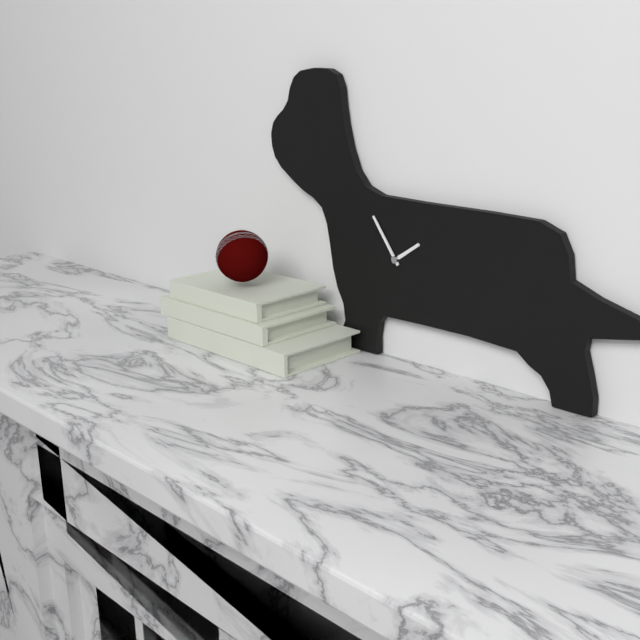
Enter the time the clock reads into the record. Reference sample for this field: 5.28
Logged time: 1.54
